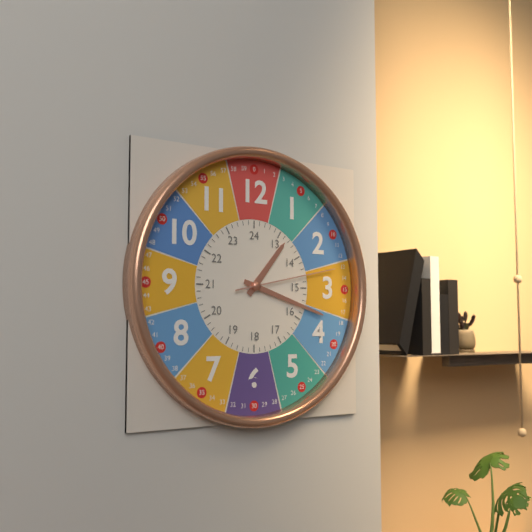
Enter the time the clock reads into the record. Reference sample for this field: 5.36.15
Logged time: 1.18.13
